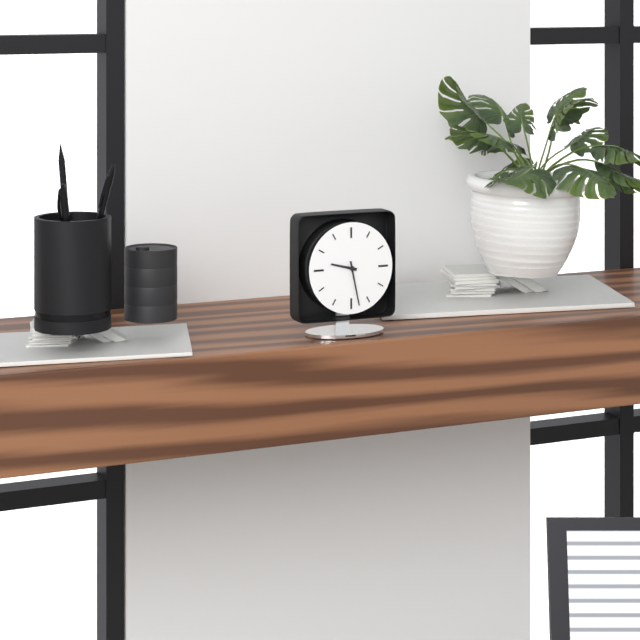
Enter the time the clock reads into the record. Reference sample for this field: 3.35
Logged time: 9.28
